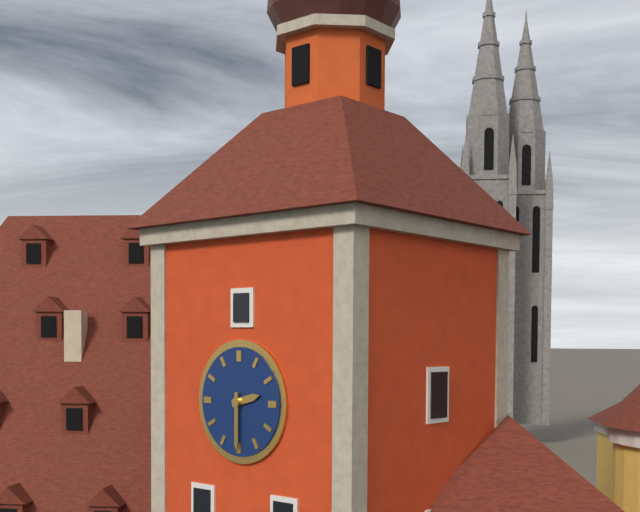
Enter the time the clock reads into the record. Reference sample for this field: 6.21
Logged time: 2.30
